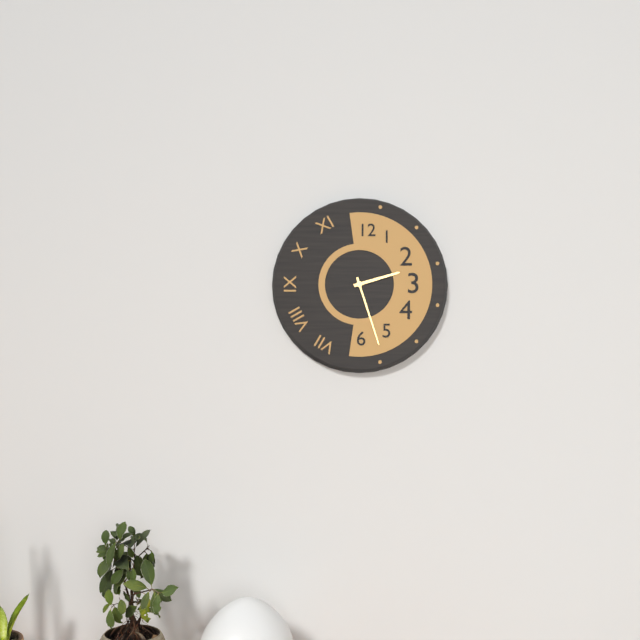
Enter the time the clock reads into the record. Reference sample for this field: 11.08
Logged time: 2.27
